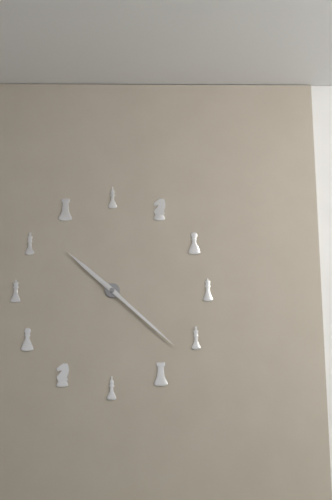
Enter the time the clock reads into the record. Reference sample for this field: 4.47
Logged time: 10.22
